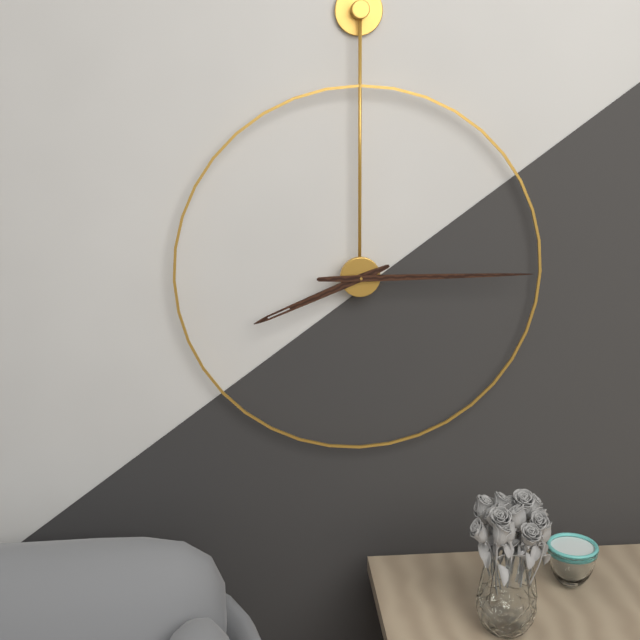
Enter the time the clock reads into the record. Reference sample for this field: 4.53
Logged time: 8.15
